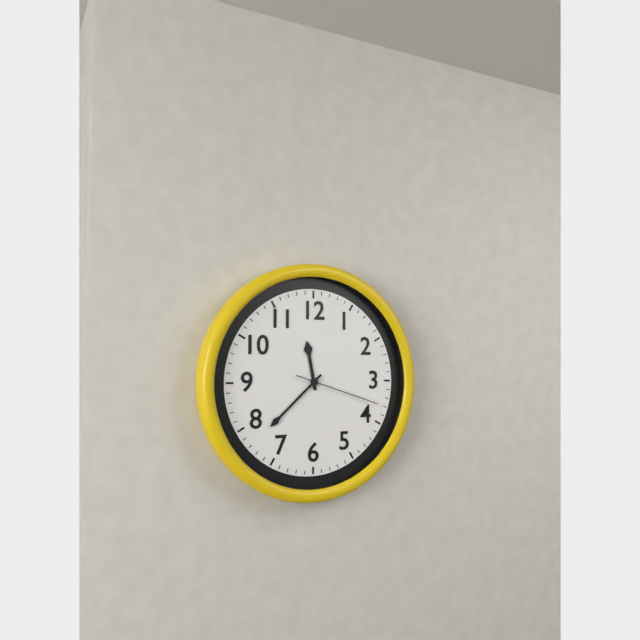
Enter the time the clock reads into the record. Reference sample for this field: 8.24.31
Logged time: 11.38.18
